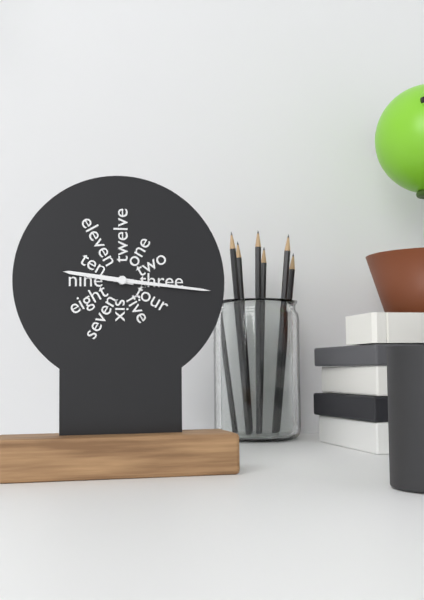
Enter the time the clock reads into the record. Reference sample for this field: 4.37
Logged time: 9.16
